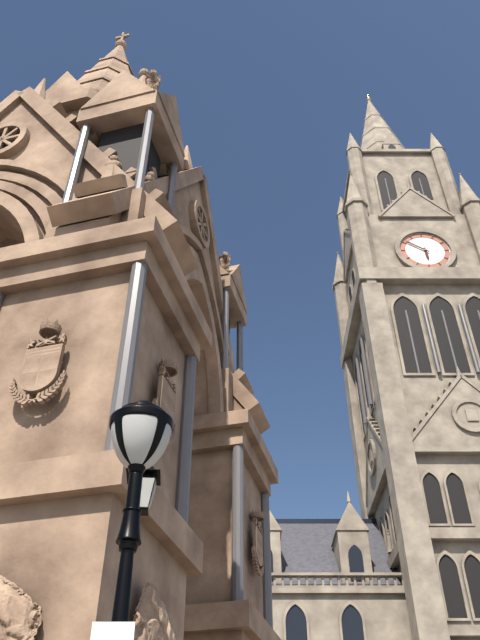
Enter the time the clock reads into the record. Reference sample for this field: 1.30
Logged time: 5.51
